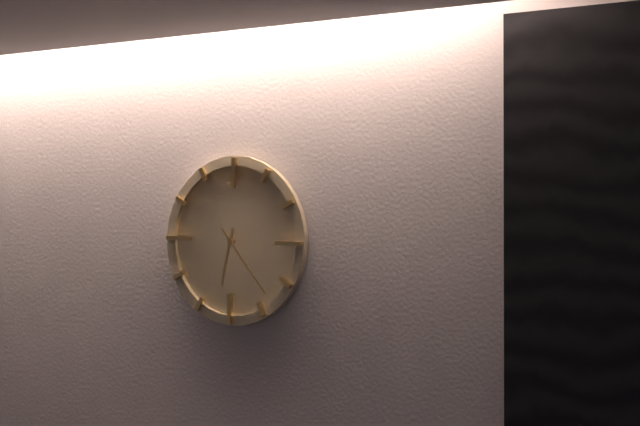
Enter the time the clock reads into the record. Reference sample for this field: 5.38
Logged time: 6.23
